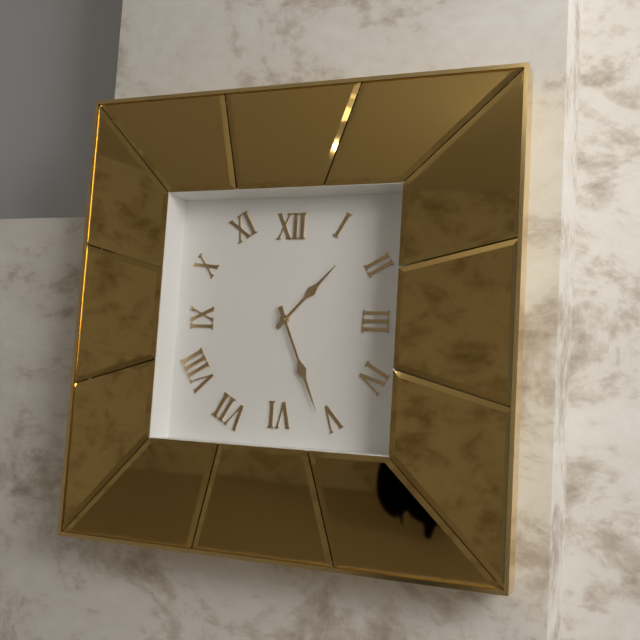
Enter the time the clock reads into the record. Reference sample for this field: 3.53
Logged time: 1.26
